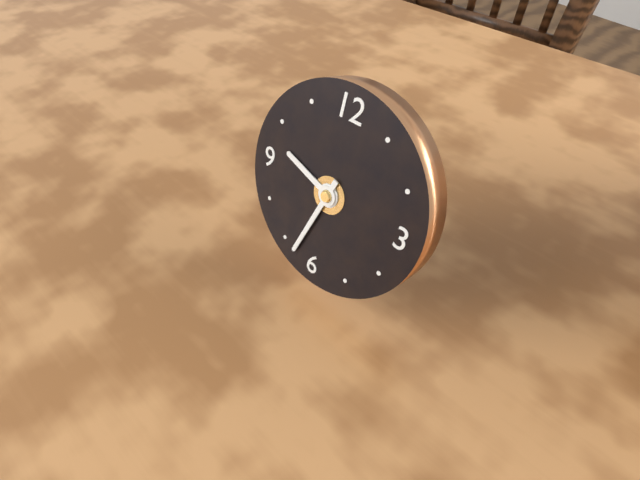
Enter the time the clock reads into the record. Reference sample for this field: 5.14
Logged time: 9.33
